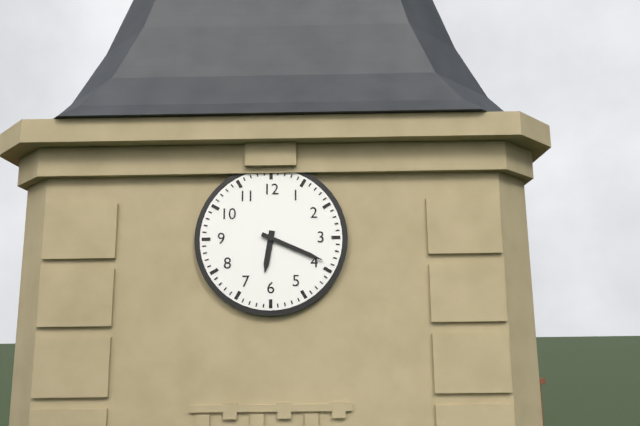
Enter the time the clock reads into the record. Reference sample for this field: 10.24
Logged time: 6.19
